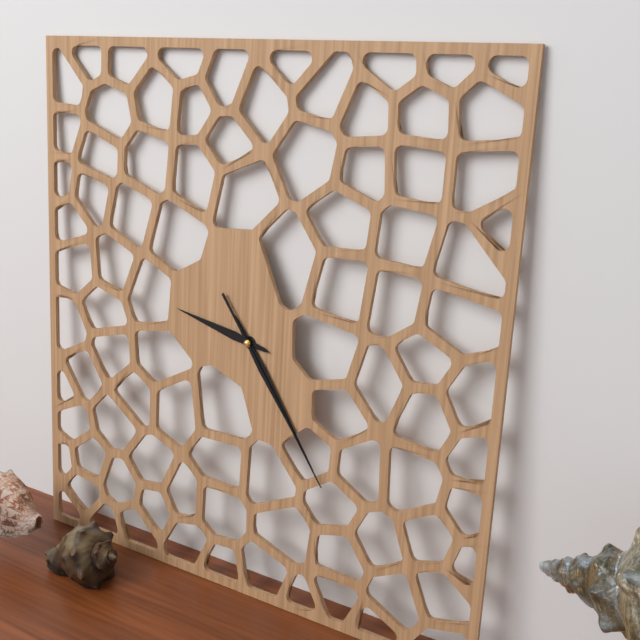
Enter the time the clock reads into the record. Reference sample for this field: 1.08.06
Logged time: 9.24.24
